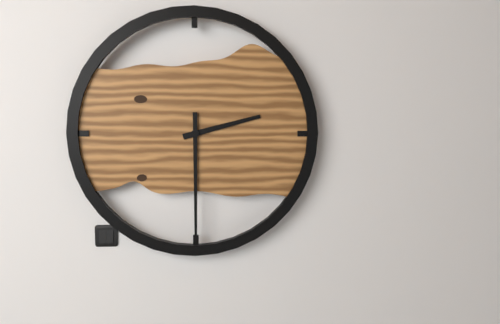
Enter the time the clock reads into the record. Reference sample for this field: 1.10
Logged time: 2.30
